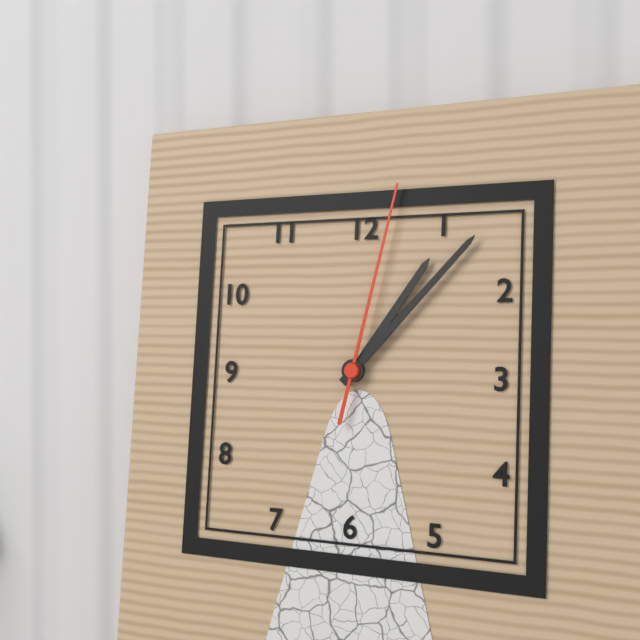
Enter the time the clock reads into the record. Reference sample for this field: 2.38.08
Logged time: 1.07.02
